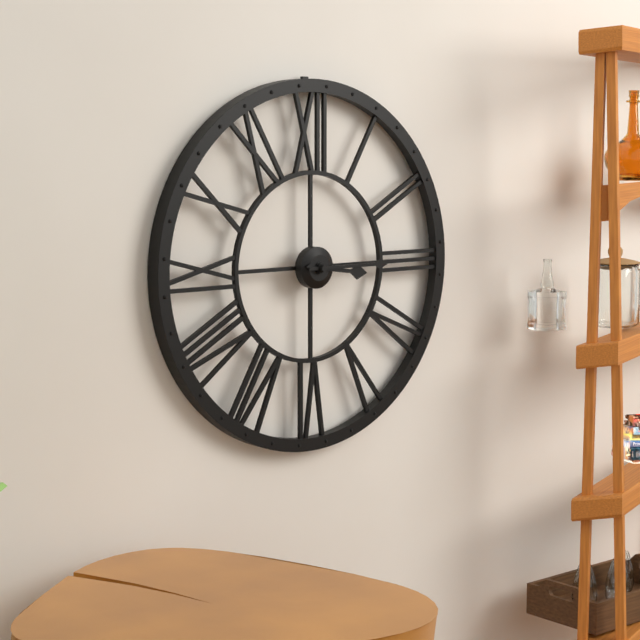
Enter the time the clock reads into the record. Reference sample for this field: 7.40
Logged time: 3.15
